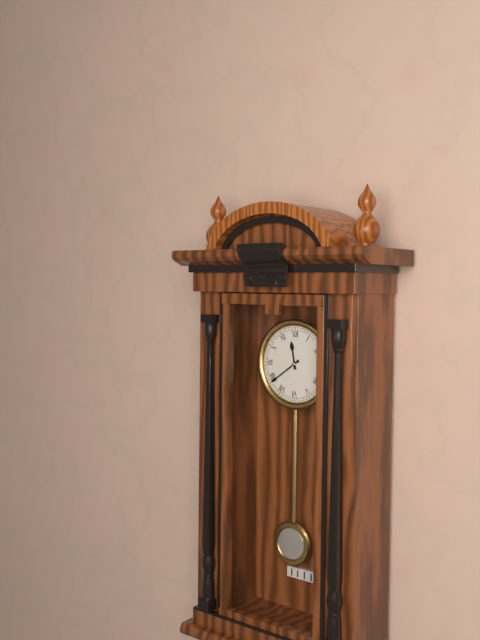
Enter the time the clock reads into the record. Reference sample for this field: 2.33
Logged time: 11.39
